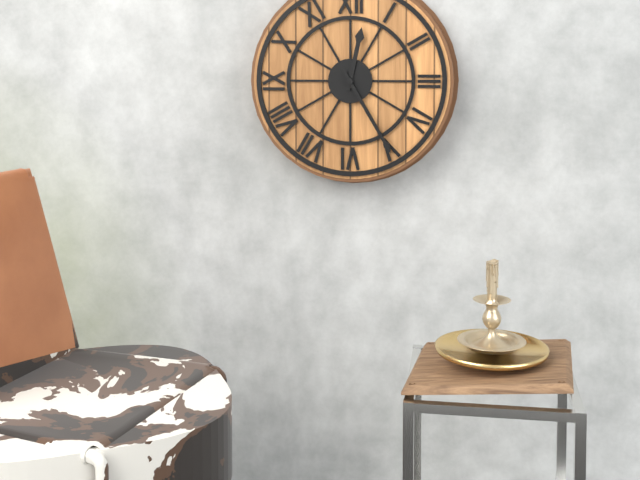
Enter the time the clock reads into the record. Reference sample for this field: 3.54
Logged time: 12.25
